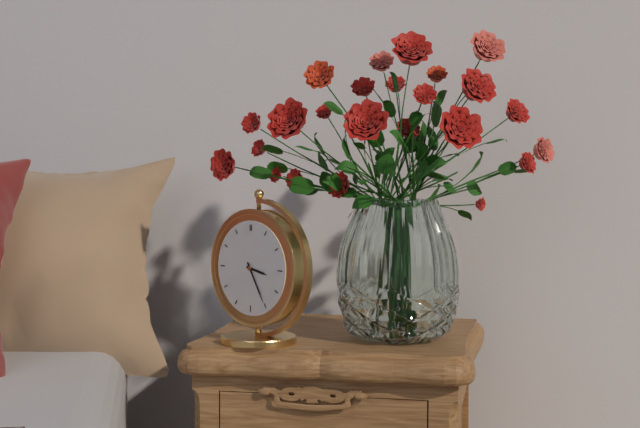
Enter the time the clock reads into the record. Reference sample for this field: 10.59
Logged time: 3.25
